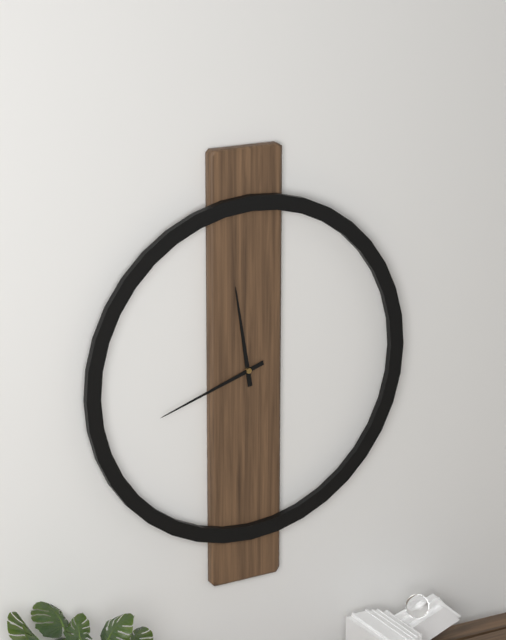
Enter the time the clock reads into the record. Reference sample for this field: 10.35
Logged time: 11.42
